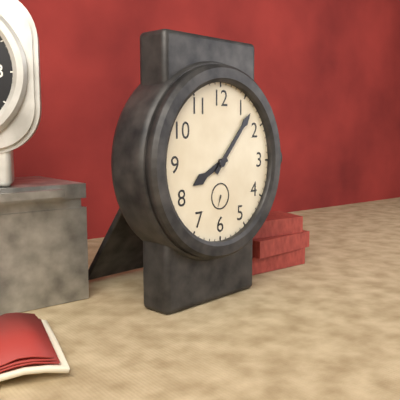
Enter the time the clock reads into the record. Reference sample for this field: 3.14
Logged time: 8.07
